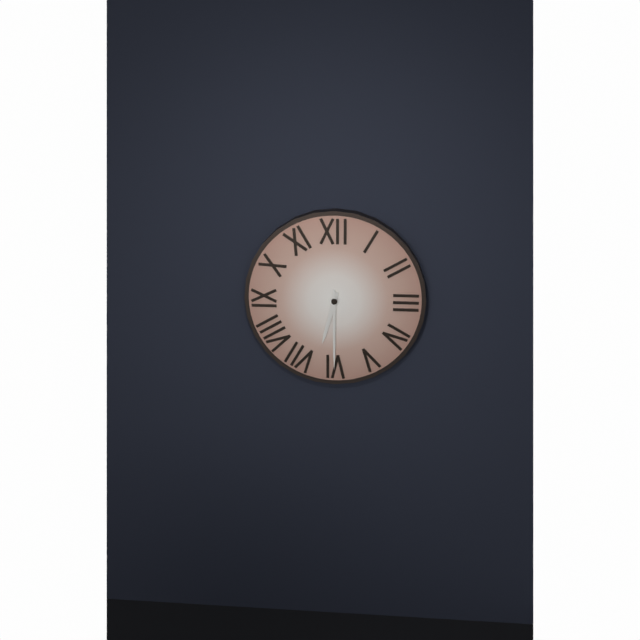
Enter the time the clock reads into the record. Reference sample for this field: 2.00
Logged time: 6.30
